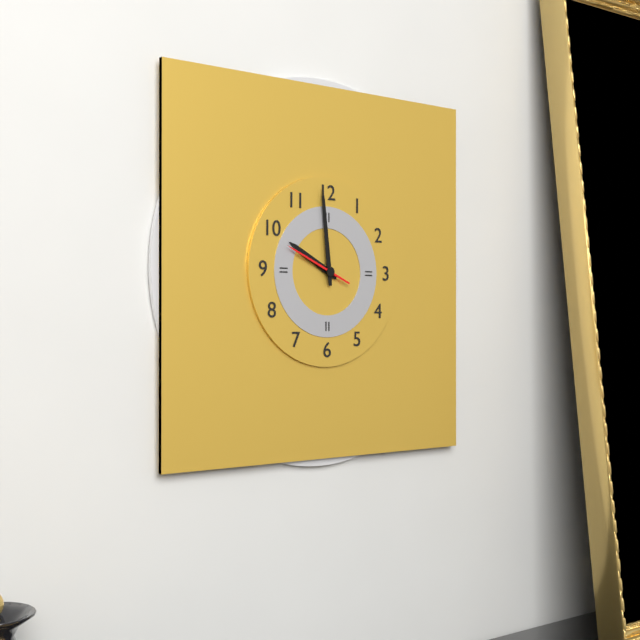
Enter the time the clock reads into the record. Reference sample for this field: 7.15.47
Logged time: 9.59.49
